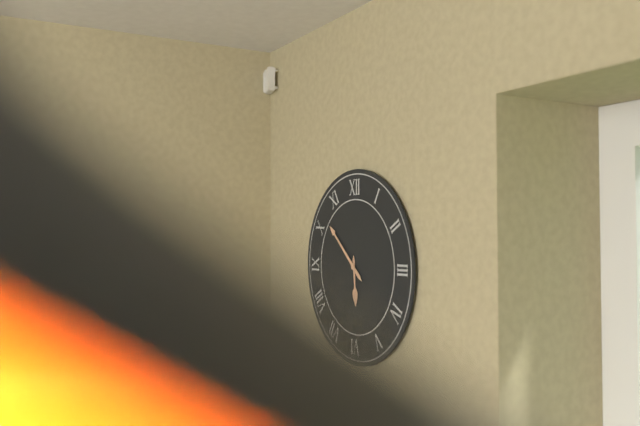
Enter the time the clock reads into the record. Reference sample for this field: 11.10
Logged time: 5.52
